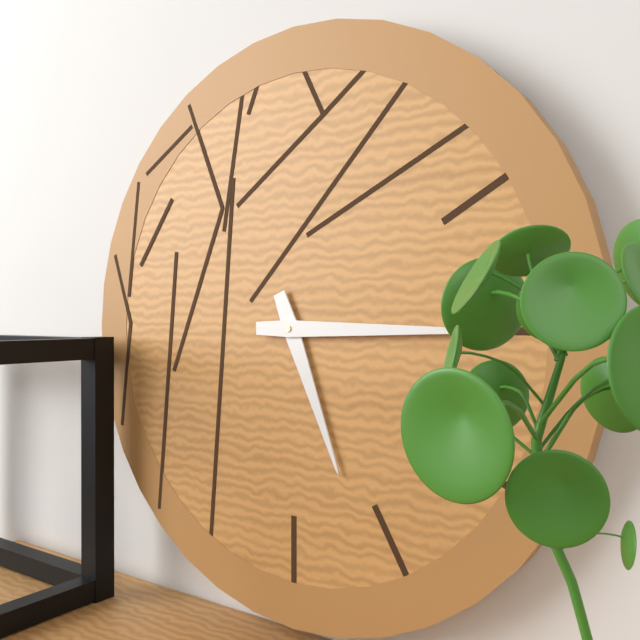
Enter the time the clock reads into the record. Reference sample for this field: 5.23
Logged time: 5.15
